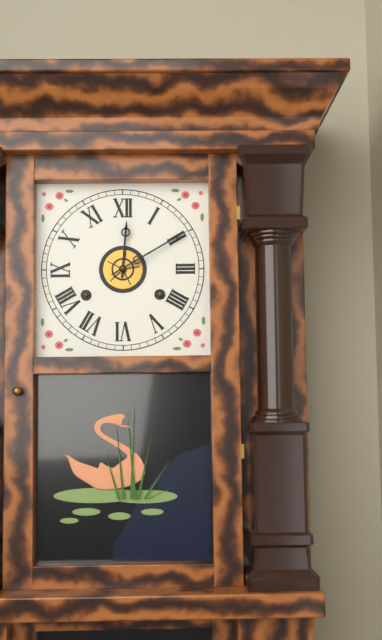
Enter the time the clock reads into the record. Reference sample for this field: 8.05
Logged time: 12.10
